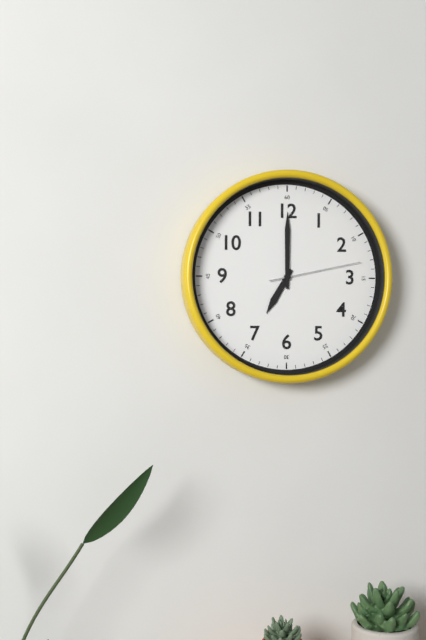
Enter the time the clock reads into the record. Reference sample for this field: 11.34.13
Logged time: 7.00.13
